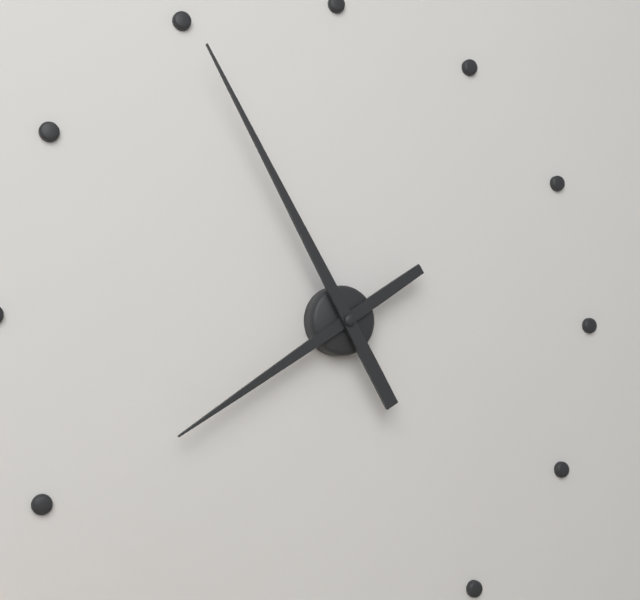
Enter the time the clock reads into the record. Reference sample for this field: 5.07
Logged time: 7.55
